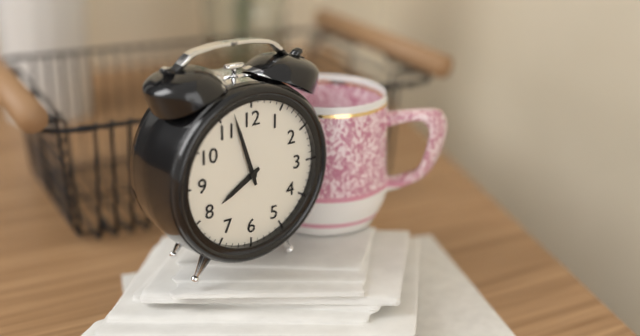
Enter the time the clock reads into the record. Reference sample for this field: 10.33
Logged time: 7.57
